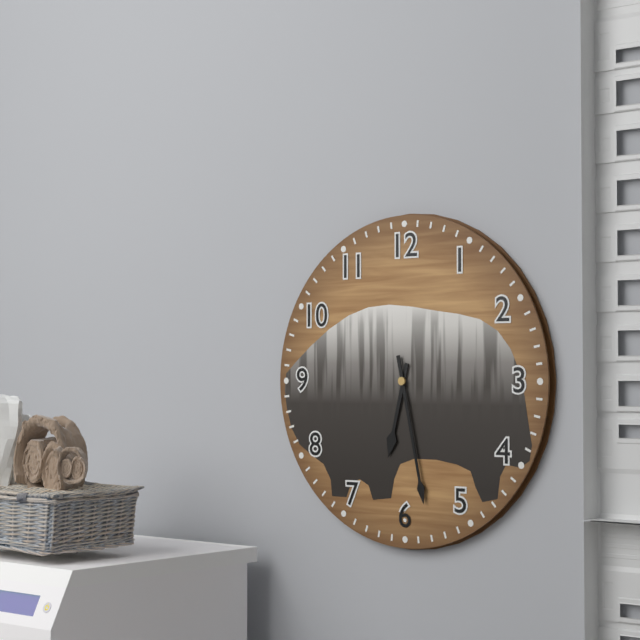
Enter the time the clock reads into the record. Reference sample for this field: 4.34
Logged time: 6.28
